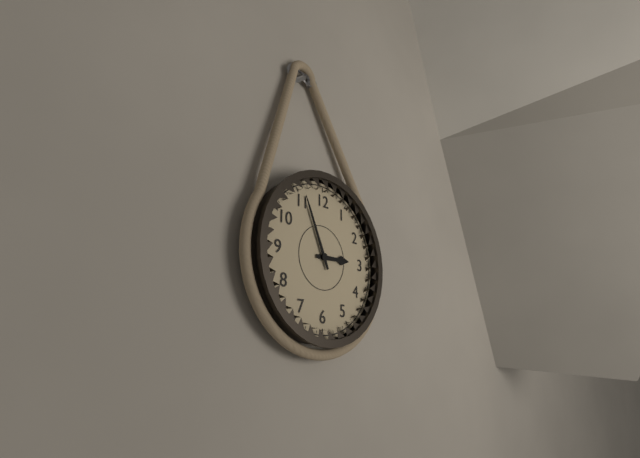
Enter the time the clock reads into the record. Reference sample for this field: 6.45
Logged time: 2.56
